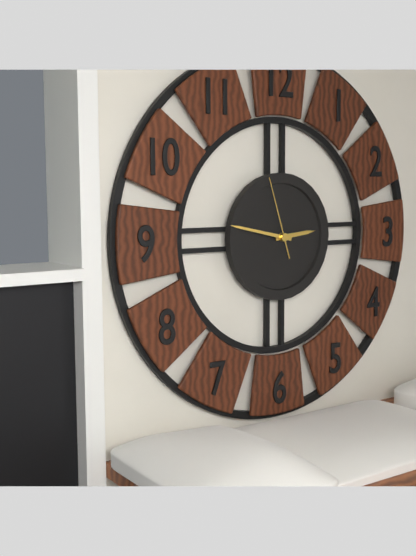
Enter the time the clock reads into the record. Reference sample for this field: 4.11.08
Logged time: 2.47.57
